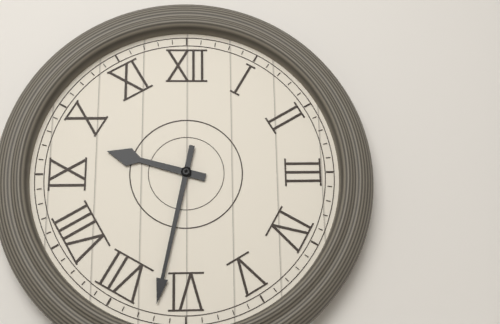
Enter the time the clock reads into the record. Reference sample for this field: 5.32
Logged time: 9.32
